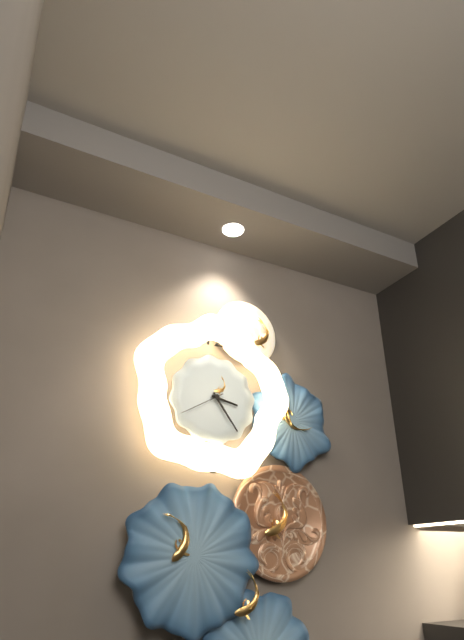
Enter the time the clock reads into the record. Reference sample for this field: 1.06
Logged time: 3.24
